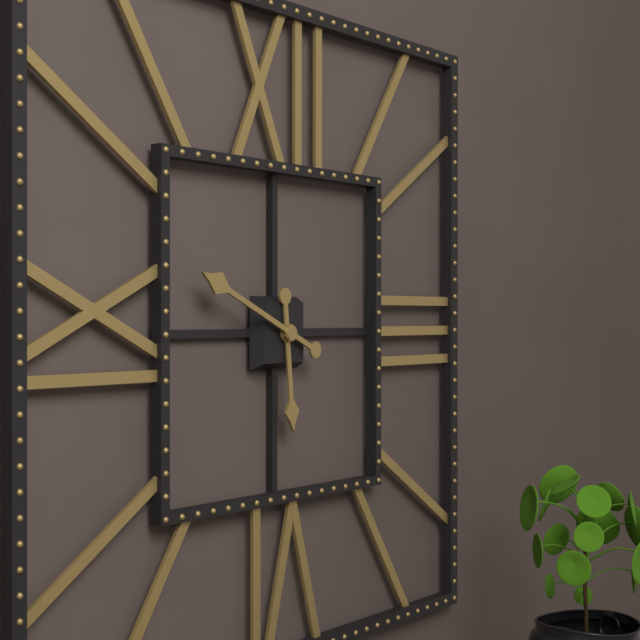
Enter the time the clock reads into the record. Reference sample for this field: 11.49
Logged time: 5.49
